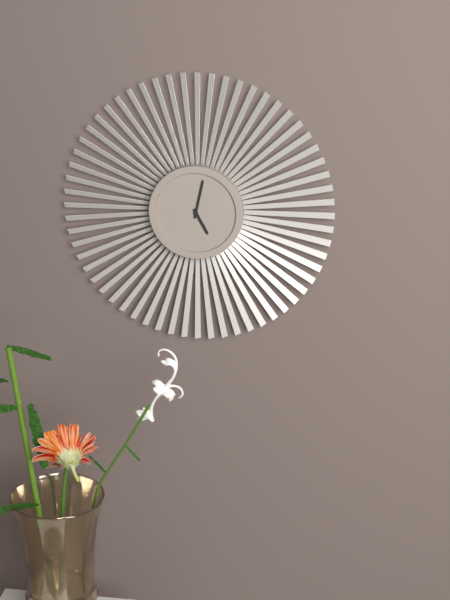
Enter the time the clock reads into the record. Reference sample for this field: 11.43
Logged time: 5.02
